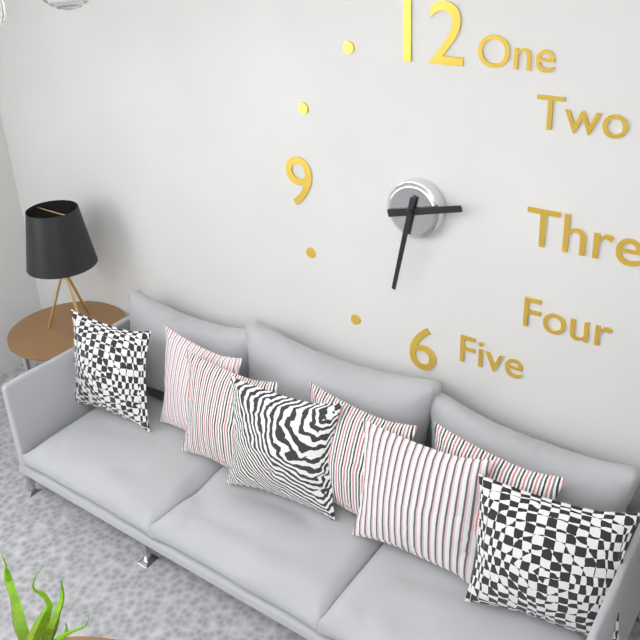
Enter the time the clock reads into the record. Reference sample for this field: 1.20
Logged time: 2.32
